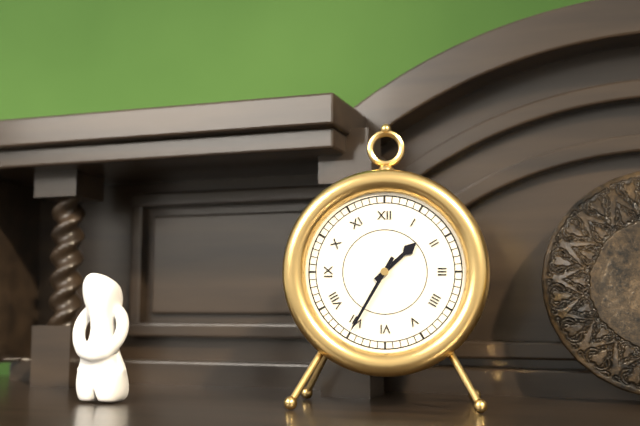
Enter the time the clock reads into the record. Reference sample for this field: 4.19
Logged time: 1.35
